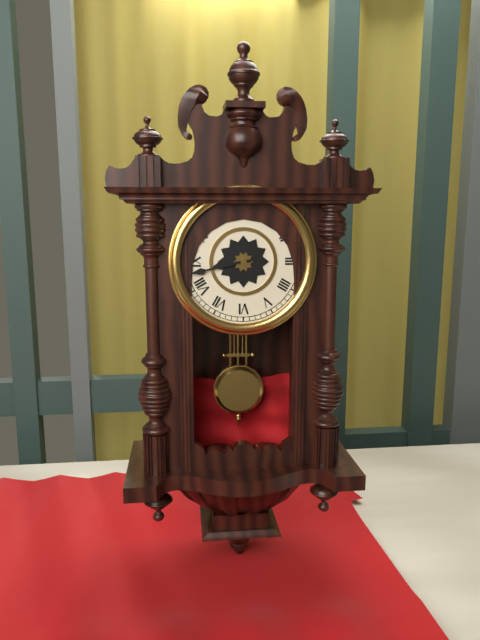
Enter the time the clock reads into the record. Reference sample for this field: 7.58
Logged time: 8.43
